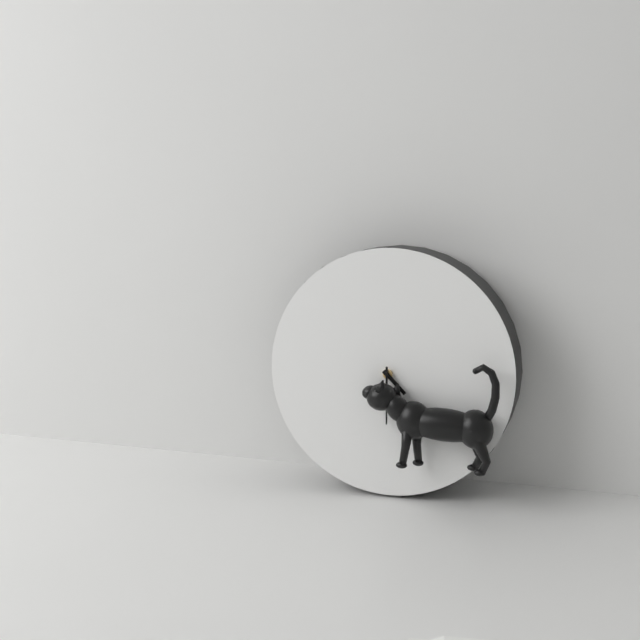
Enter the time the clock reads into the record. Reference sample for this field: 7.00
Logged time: 4.30
